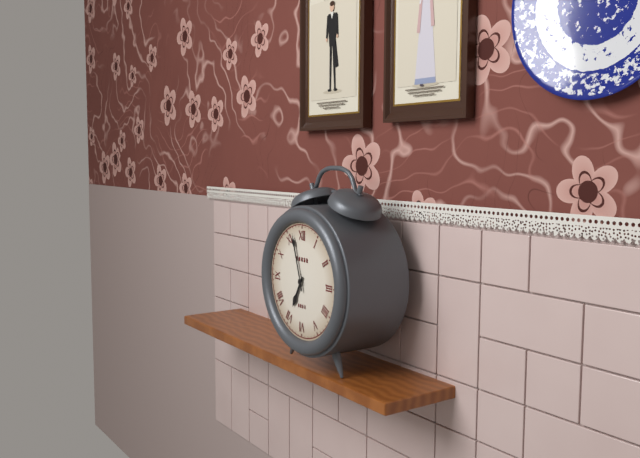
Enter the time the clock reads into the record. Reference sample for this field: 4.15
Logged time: 6.57
